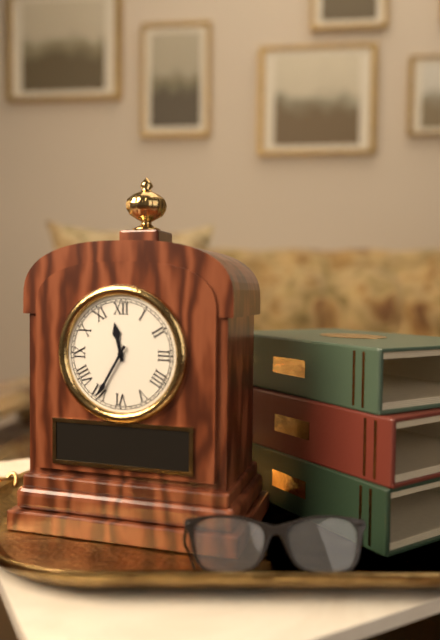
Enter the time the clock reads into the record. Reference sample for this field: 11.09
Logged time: 11.35
